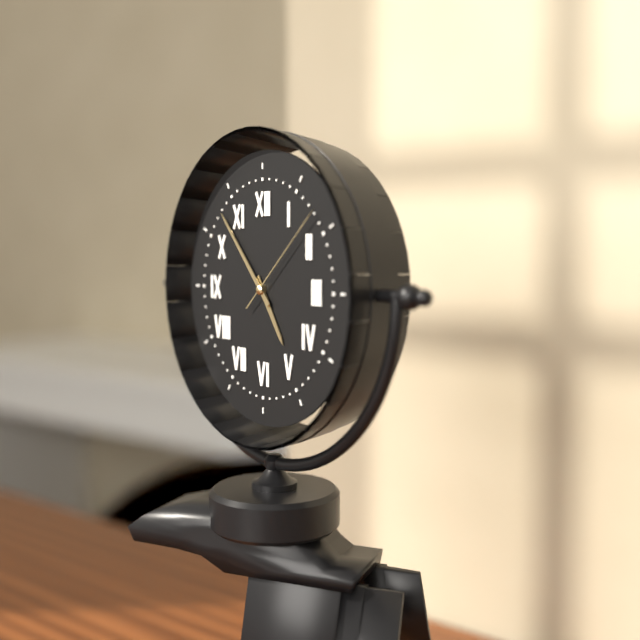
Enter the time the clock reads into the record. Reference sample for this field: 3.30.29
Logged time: 4.53.08
